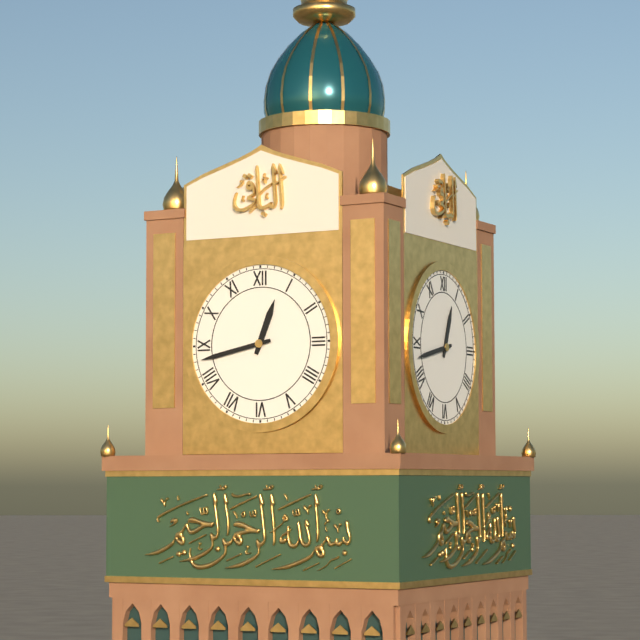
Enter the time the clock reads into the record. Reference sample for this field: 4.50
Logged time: 12.43
